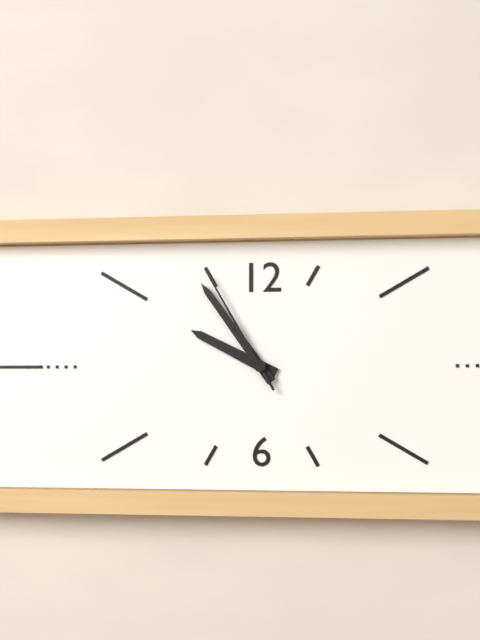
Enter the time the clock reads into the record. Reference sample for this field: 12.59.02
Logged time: 9.54.55
